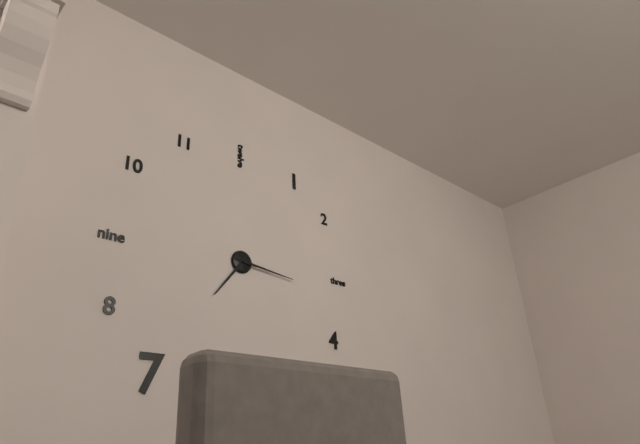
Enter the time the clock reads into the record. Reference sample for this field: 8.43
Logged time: 7.16
